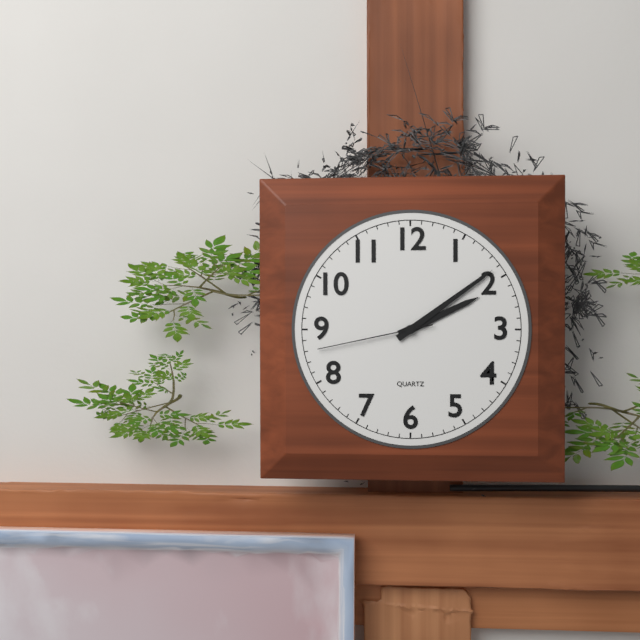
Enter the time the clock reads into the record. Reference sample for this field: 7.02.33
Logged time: 2.09.43
